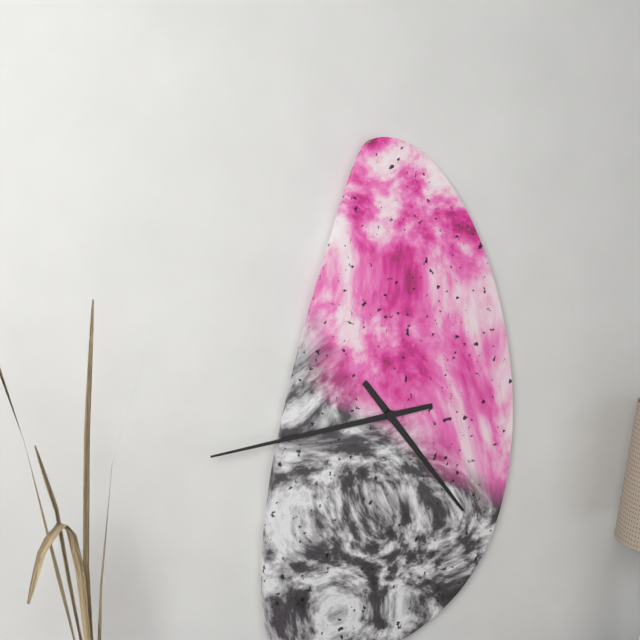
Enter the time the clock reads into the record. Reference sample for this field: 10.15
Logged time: 4.44
